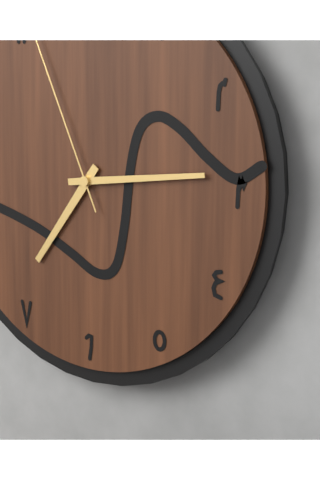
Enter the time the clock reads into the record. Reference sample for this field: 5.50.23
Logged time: 7.14.56
